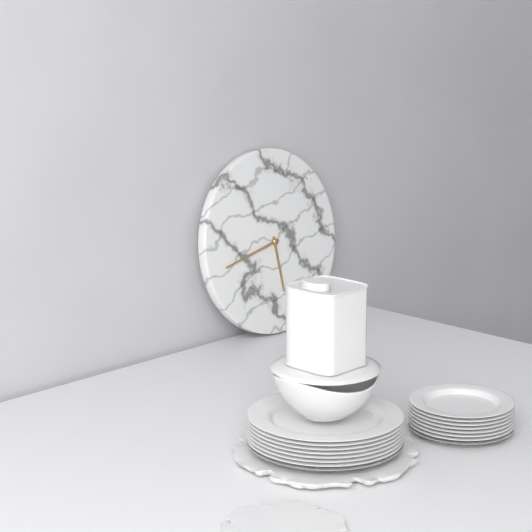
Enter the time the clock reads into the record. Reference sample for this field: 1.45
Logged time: 5.43
